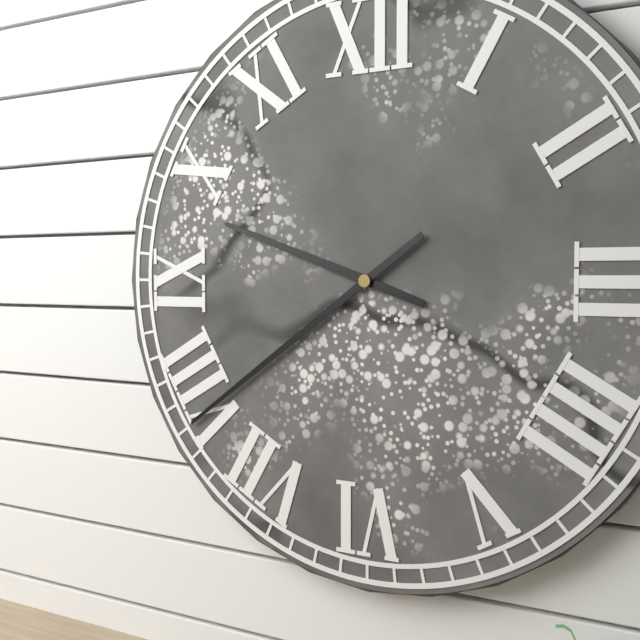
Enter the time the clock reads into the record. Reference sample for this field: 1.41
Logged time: 9.39
